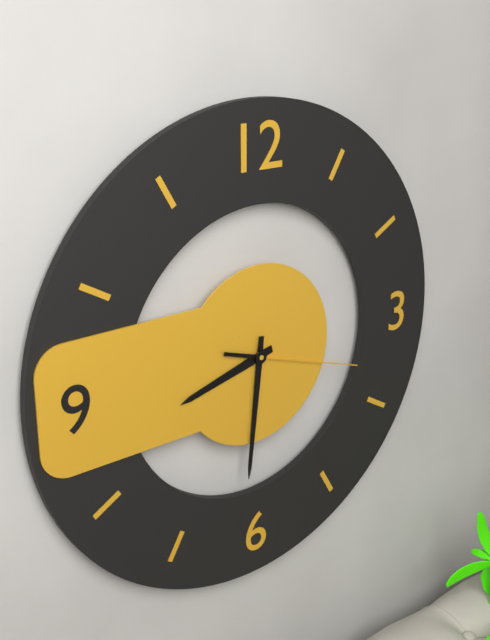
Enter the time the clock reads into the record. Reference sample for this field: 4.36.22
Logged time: 8.31.18
